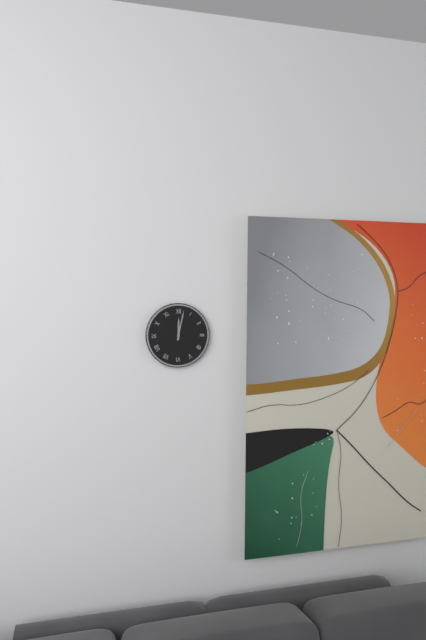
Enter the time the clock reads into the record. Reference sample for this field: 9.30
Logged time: 12.02
